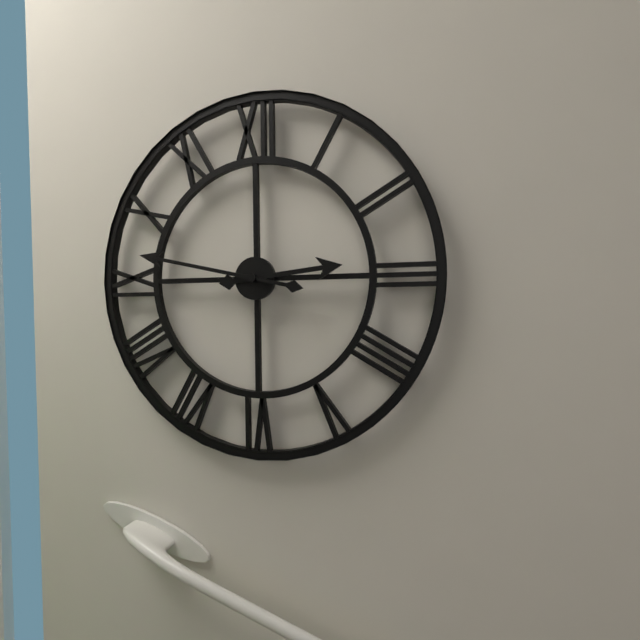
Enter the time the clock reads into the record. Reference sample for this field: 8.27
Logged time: 2.47
